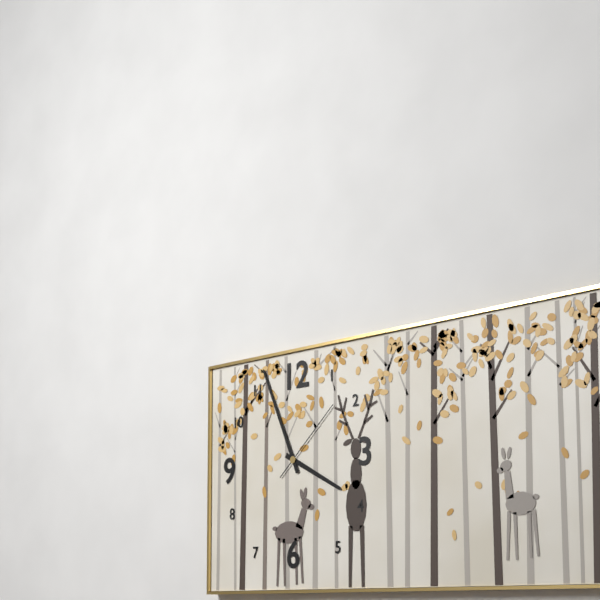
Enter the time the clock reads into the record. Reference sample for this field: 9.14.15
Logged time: 3.56.08
